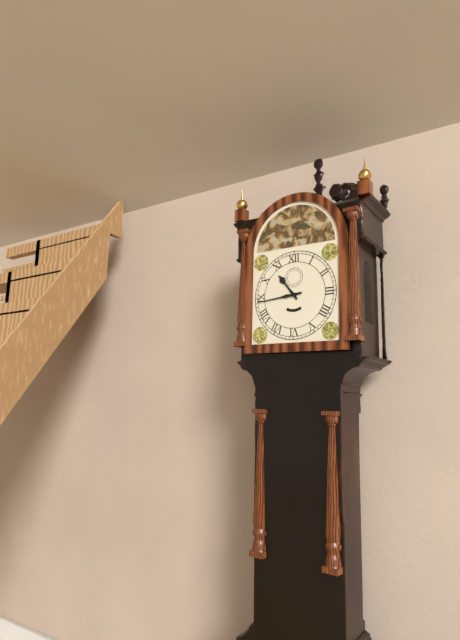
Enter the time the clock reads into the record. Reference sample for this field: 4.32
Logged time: 10.44
